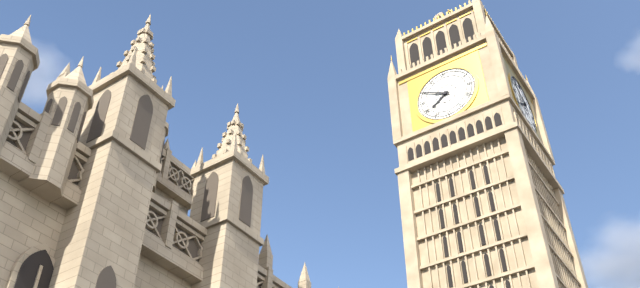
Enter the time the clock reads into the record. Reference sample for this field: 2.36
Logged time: 7.50
